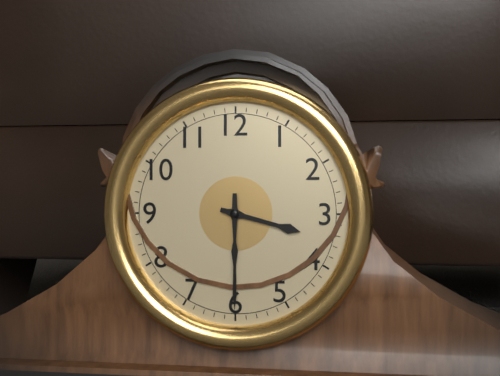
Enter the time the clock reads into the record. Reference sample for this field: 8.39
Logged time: 3.30
